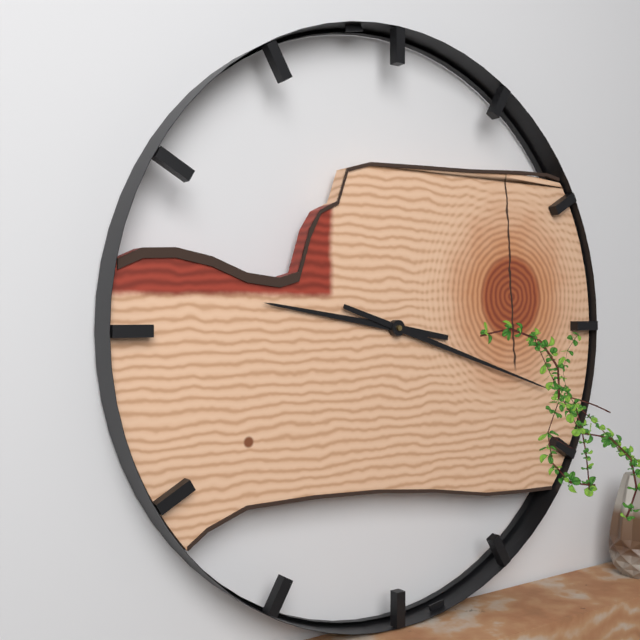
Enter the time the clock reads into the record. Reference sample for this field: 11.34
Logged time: 9.18
